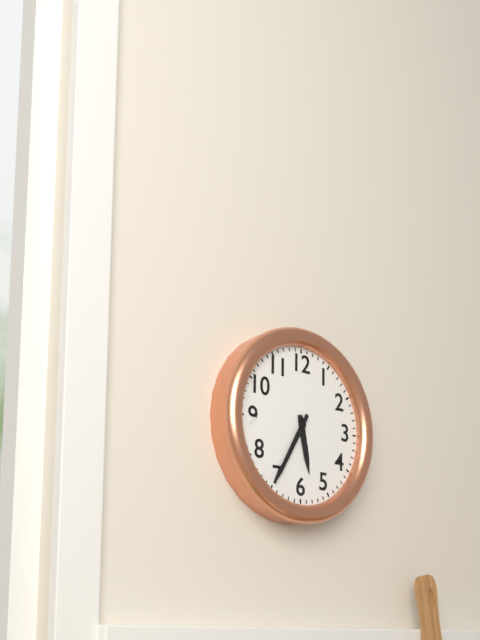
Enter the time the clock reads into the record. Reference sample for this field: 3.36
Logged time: 5.35
